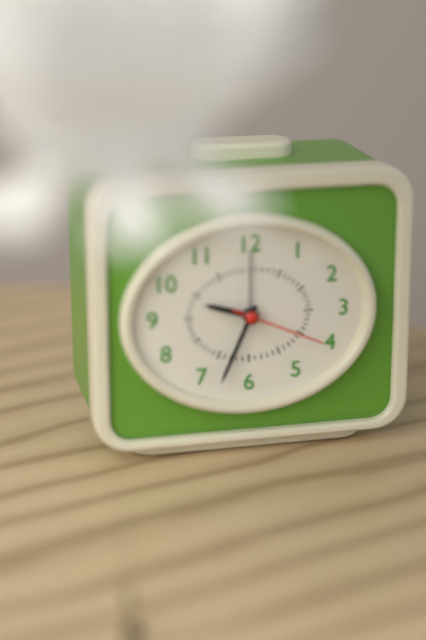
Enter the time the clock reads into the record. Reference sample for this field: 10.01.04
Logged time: 9.34.19
